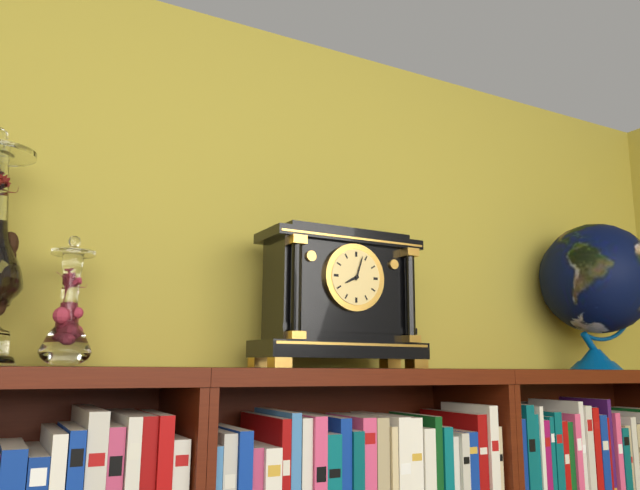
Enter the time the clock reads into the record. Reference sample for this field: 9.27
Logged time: 8.03
